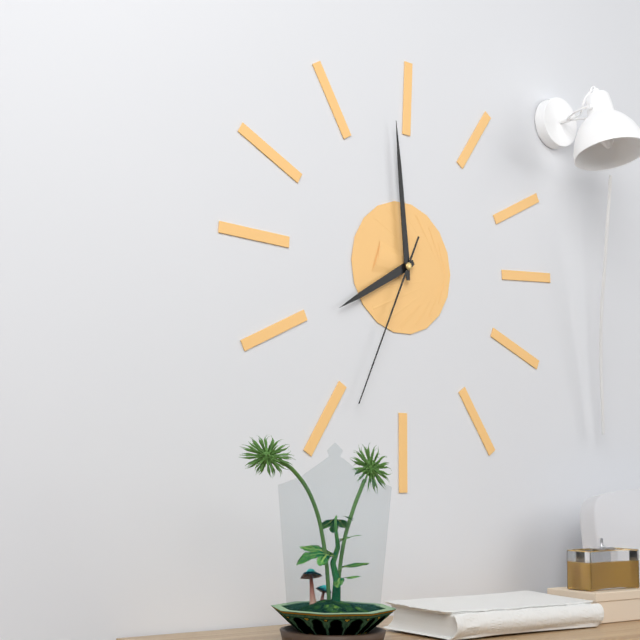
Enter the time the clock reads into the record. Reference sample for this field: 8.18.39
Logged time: 7.59.34
